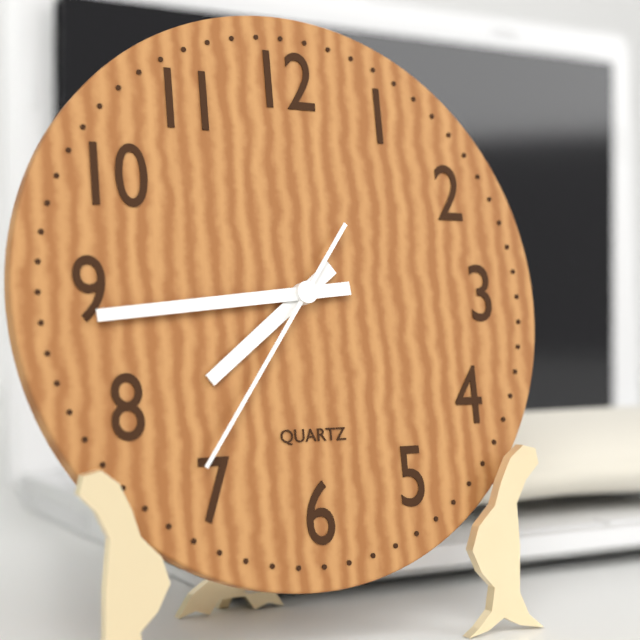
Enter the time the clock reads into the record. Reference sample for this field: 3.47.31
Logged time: 7.44.36
